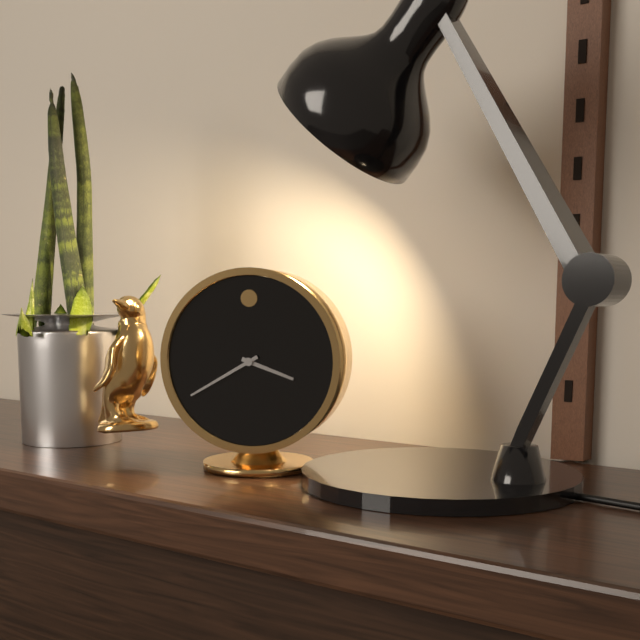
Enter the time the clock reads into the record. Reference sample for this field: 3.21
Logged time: 3.40
